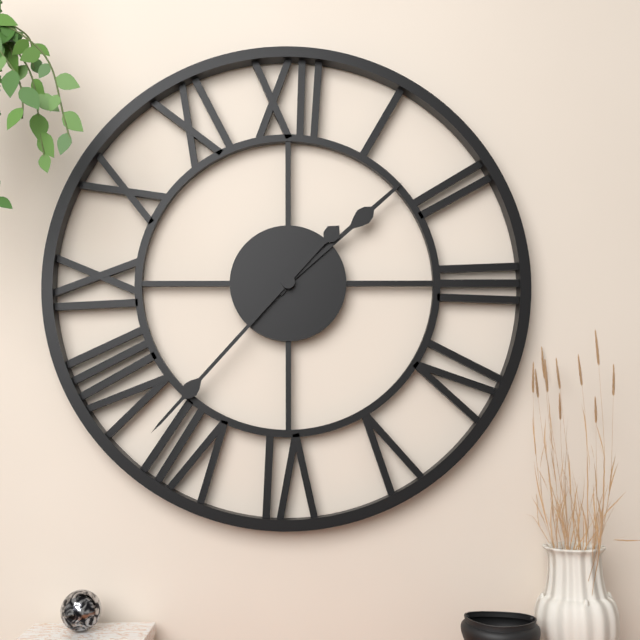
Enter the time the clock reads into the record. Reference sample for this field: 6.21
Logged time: 1.37
